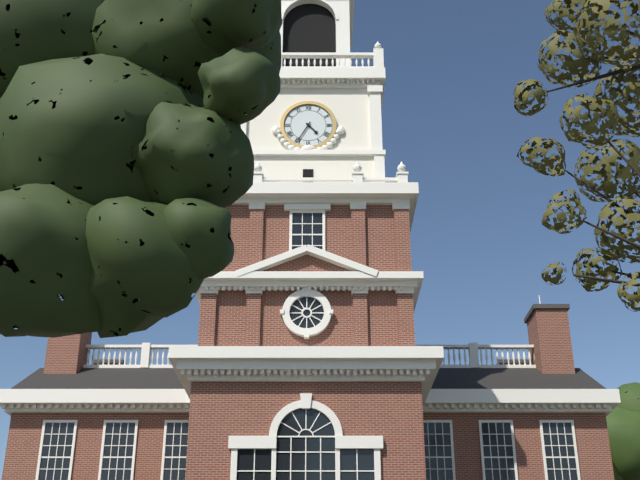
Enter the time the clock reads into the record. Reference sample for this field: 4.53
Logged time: 4.35
